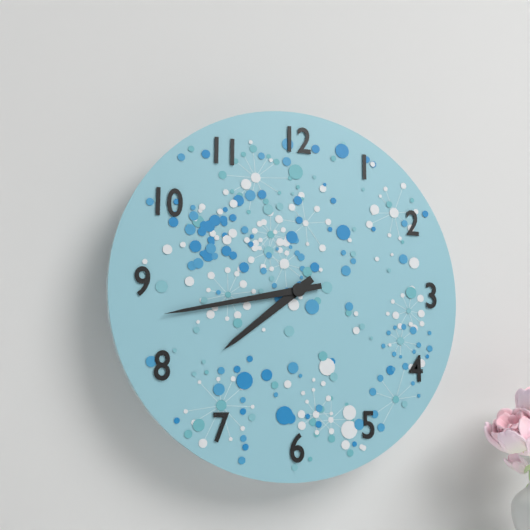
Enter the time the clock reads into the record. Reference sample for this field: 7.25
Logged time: 7.43
